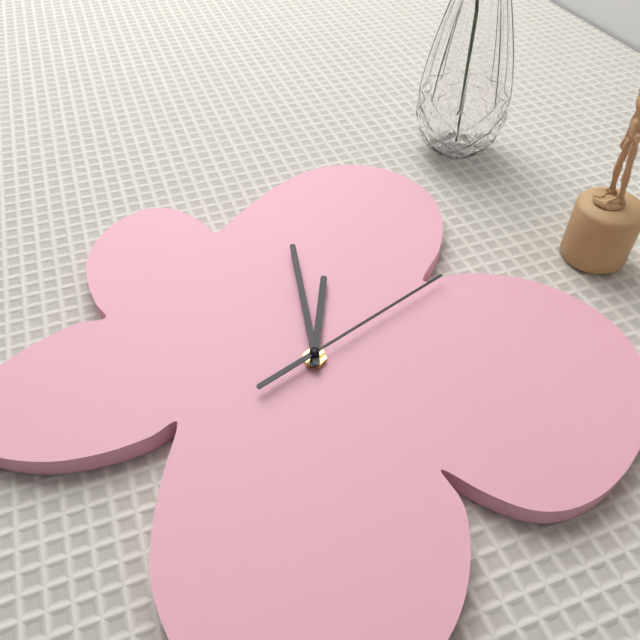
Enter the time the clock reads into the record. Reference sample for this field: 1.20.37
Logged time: 10.52.02
